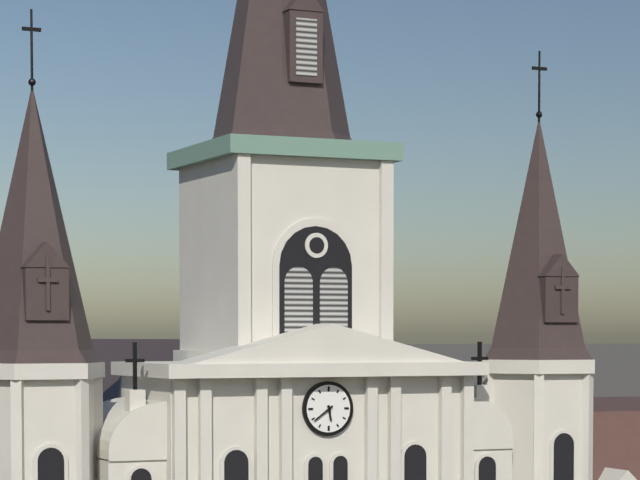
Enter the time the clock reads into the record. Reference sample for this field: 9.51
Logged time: 5.39
